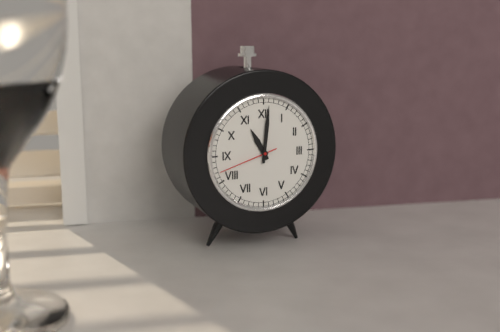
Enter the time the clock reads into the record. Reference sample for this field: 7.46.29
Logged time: 11.01.42
